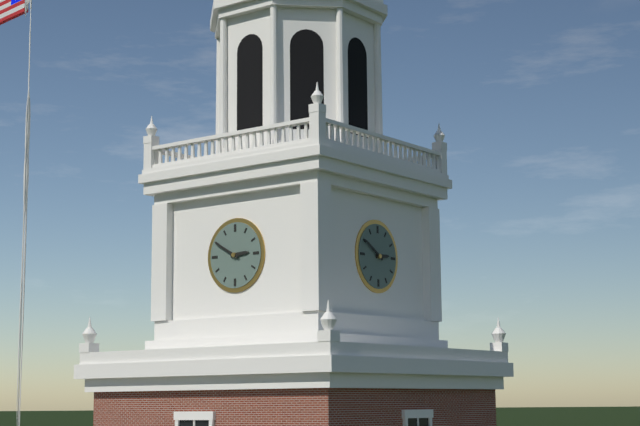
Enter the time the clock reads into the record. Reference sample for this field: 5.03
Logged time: 2.50
